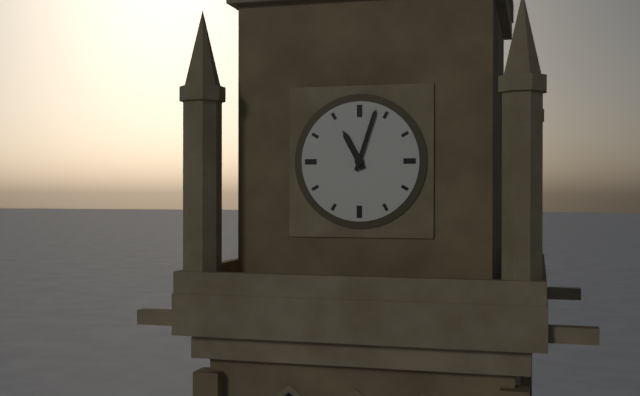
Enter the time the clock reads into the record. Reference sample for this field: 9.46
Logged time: 11.03
